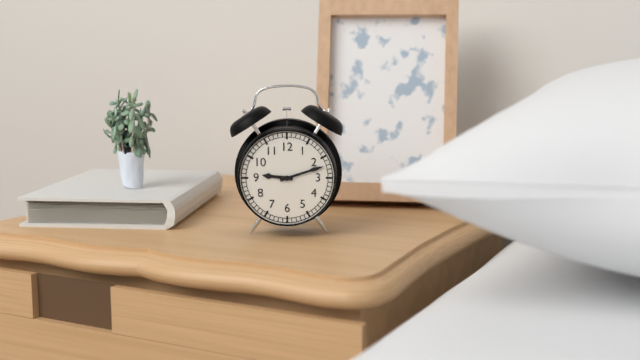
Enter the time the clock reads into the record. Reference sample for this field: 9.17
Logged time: 9.12
